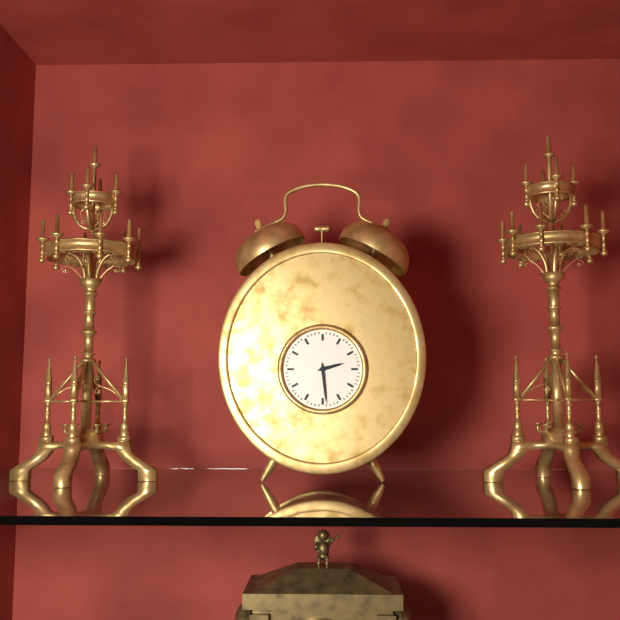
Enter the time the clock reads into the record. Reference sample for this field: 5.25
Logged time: 2.29
